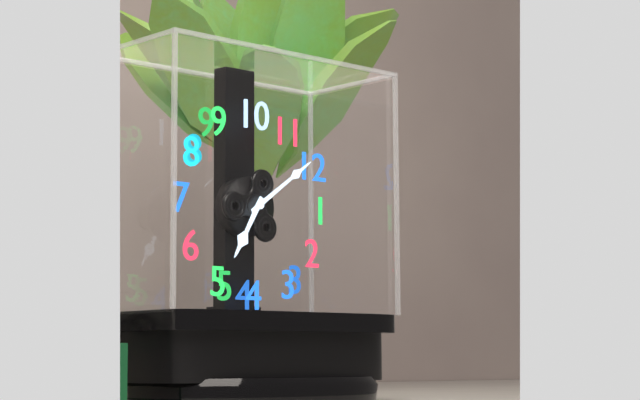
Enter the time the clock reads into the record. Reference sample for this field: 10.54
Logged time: 4.59
